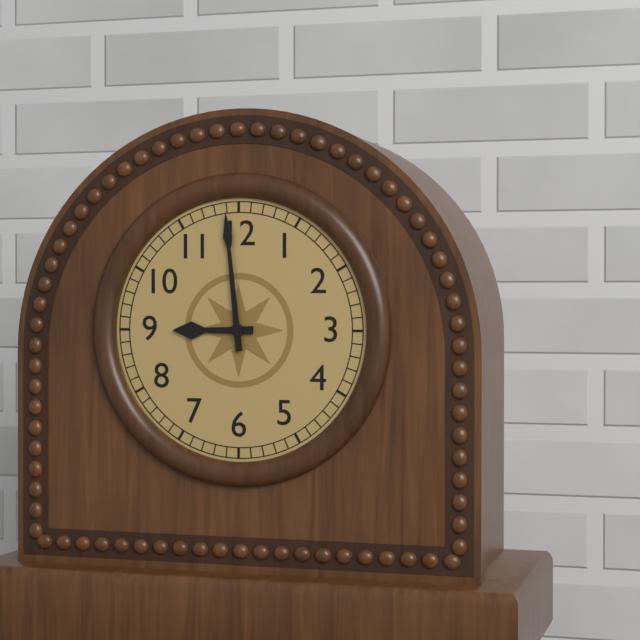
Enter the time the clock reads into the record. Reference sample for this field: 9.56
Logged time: 8.59
